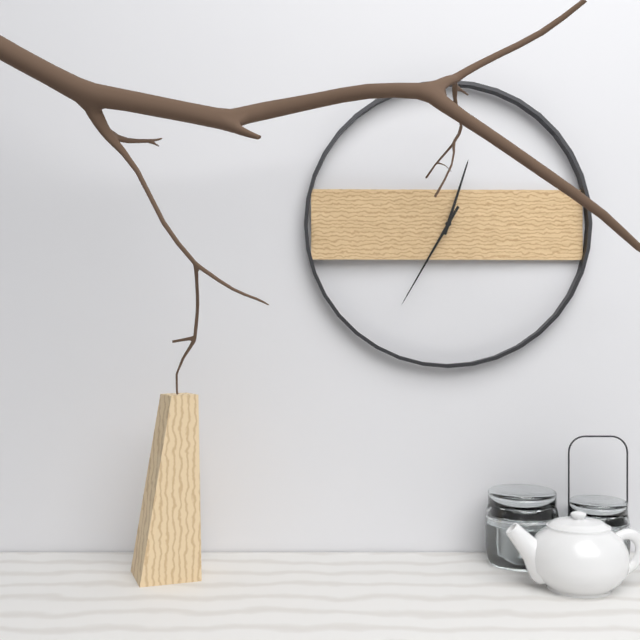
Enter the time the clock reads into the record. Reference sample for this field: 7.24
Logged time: 12.35
